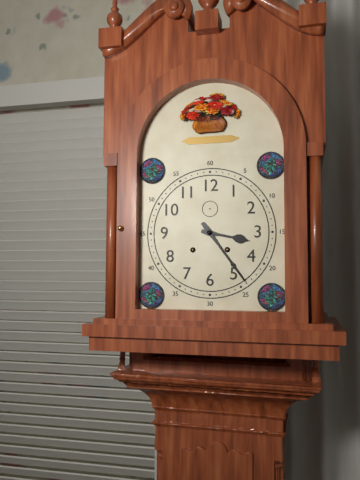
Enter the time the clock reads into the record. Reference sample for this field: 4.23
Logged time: 3.24
